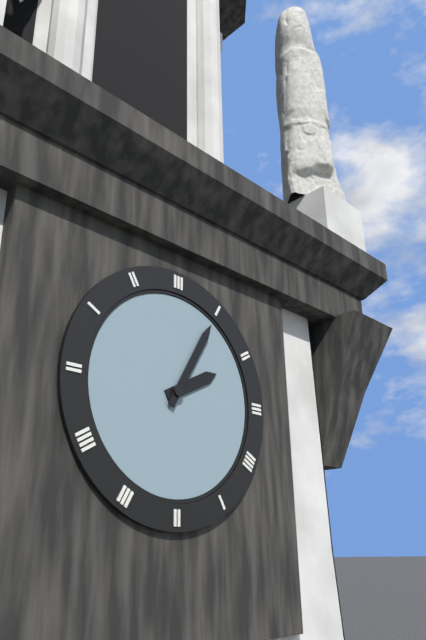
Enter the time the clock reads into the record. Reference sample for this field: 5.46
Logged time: 2.05
